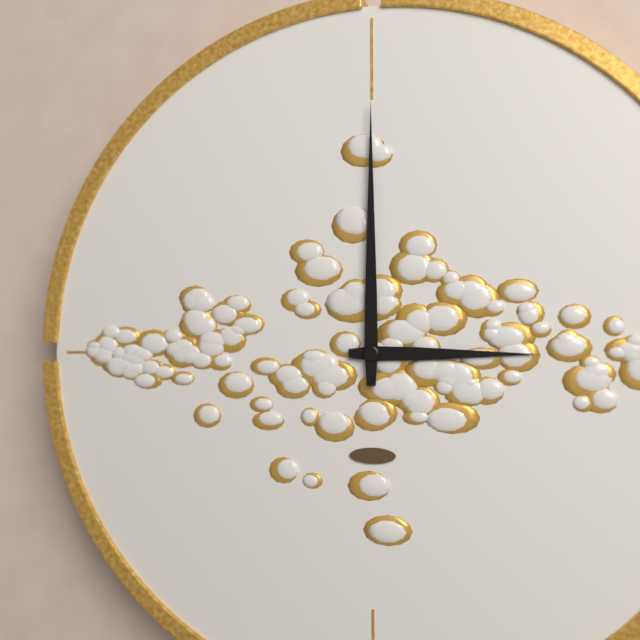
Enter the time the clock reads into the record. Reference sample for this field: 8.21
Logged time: 3.00
